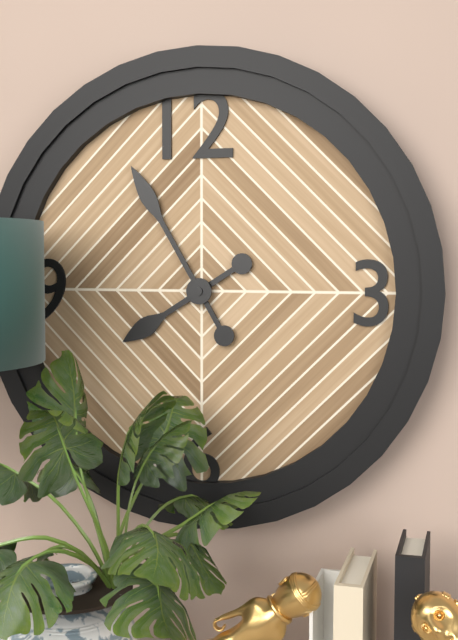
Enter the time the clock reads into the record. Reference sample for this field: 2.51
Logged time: 7.55
